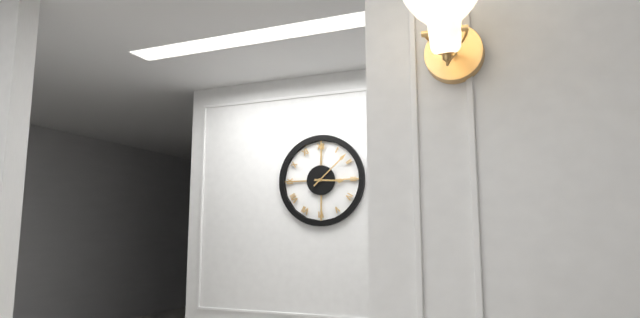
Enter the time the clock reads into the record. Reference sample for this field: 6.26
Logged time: 3.08
